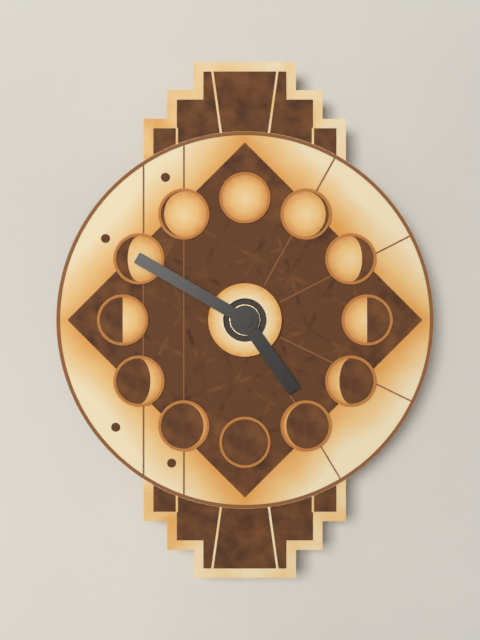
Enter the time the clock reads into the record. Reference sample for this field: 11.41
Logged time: 4.50
